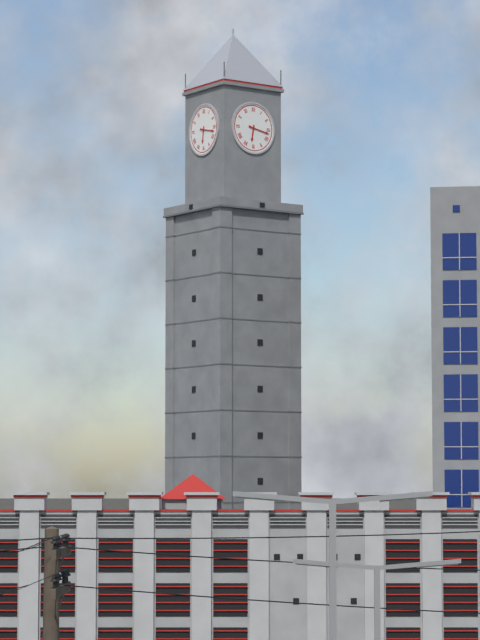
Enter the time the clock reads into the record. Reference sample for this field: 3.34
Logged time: 6.17
